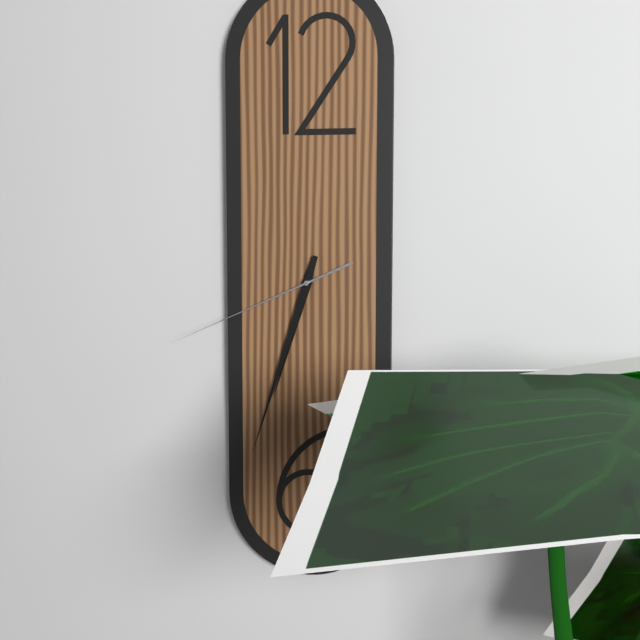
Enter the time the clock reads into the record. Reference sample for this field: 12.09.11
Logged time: 6.33.41
